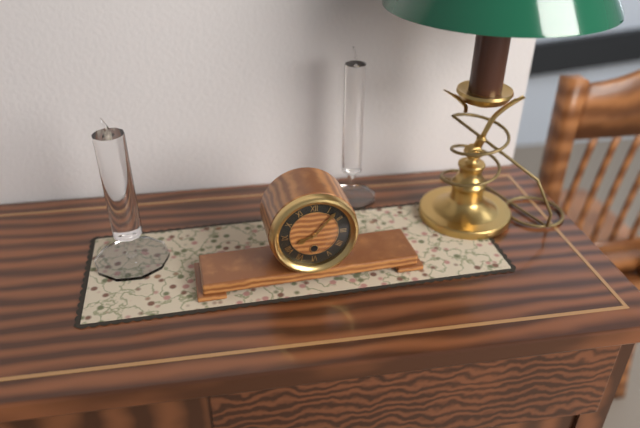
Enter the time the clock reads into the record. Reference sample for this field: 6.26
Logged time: 8.07
